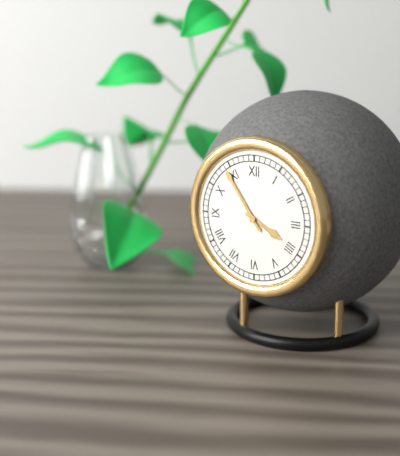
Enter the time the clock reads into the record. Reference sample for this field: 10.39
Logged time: 3.54
